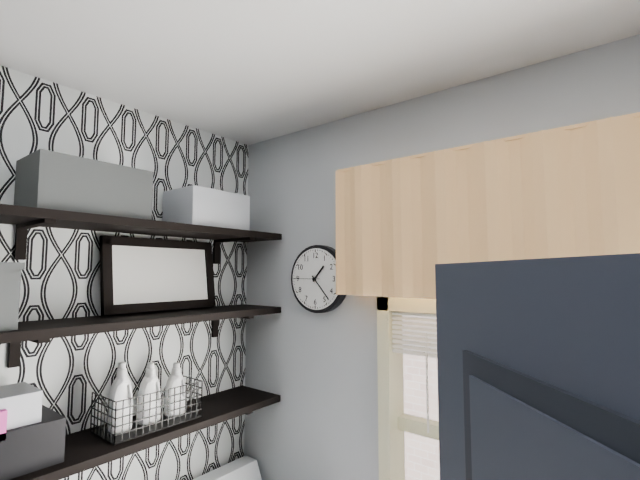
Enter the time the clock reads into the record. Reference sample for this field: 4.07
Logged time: 1.23
